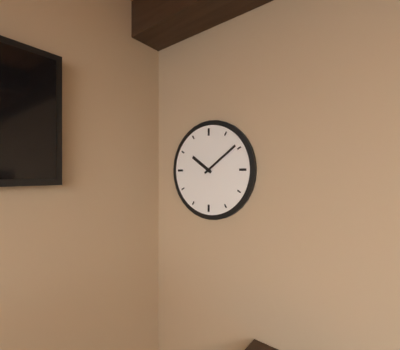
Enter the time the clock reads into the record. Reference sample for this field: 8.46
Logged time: 10.09
